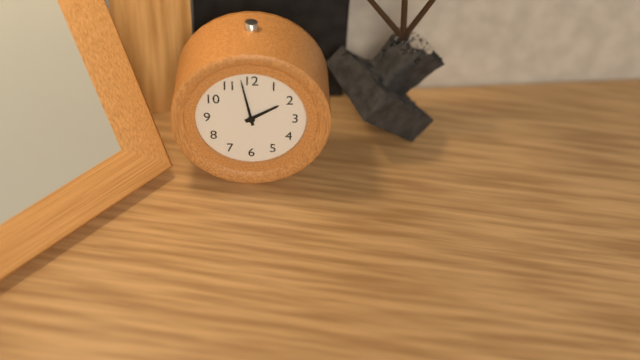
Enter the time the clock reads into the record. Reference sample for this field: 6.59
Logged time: 1.58
